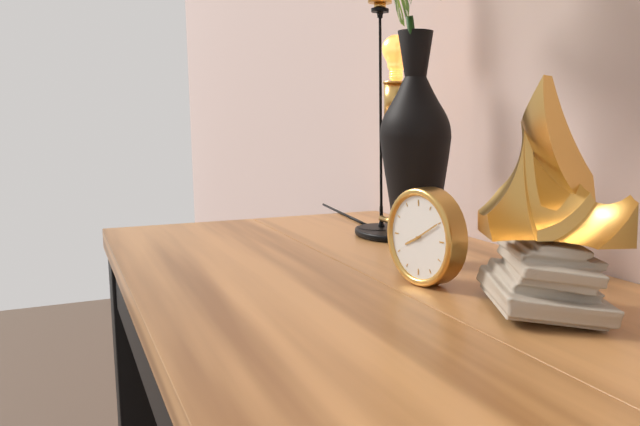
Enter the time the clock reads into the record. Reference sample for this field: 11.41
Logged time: 8.10
